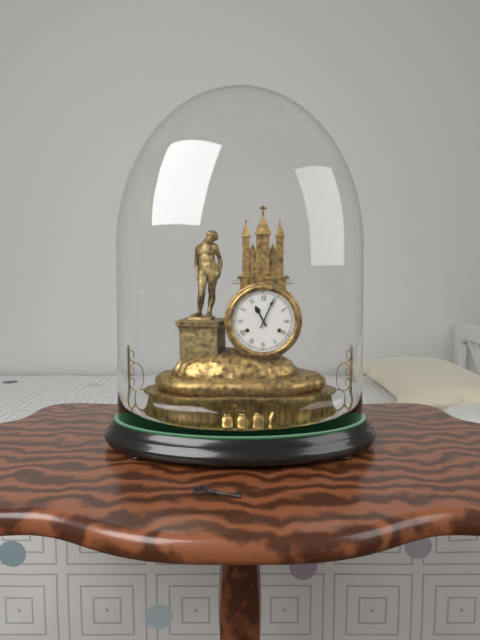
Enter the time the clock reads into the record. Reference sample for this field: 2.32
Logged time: 11.04
